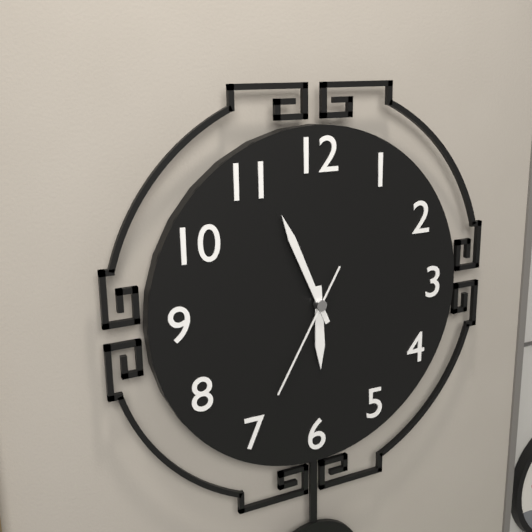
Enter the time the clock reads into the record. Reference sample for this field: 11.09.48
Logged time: 5.56.35
